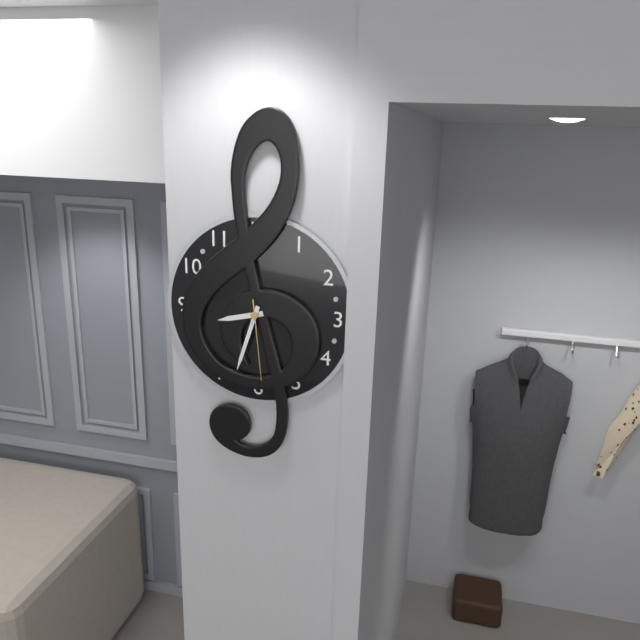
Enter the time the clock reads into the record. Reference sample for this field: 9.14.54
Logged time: 8.33.29
